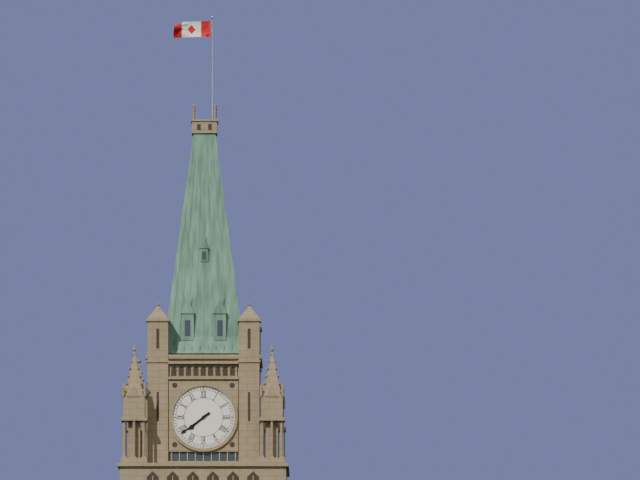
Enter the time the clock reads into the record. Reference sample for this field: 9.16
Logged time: 7.39
